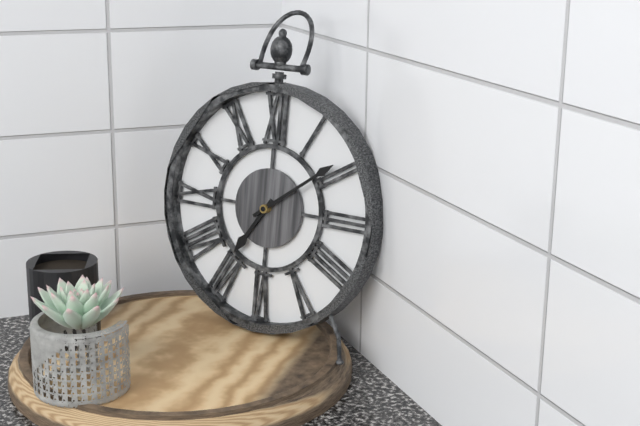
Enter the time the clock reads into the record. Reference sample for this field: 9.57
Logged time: 7.09
